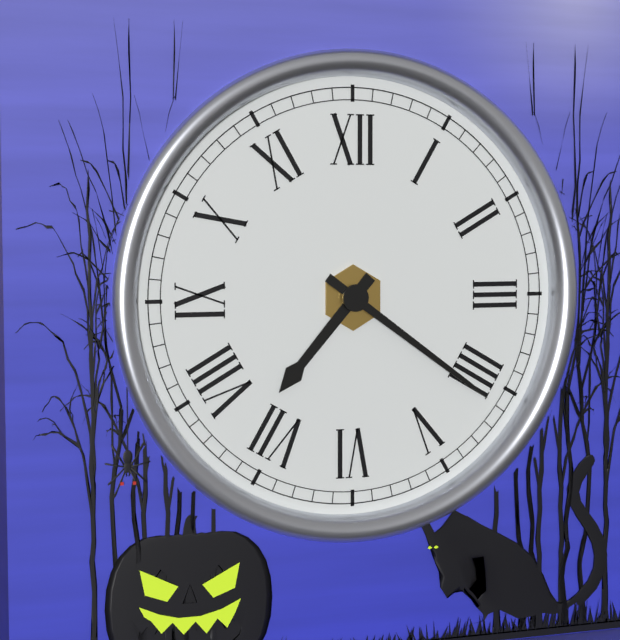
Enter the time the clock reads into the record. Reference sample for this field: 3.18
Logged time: 7.21
